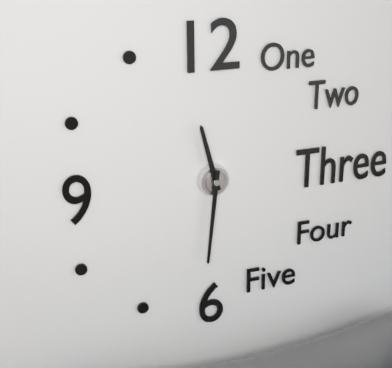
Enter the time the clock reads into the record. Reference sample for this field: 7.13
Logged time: 11.31
